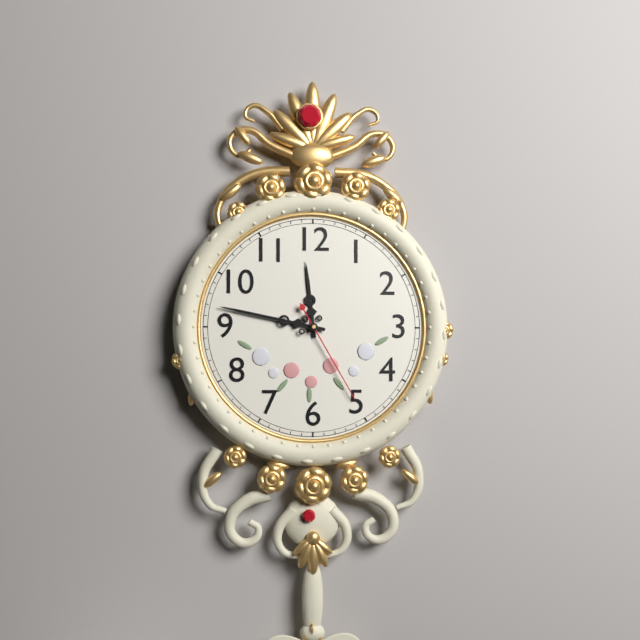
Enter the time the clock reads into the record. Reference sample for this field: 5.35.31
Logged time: 11.47.25
